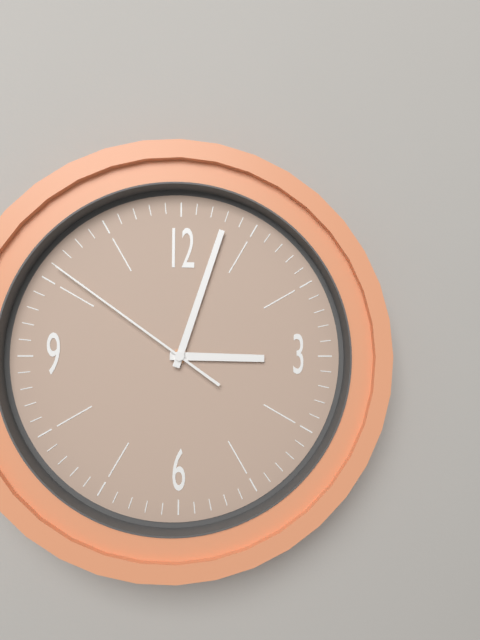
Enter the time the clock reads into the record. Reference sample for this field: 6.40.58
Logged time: 3.03.51
